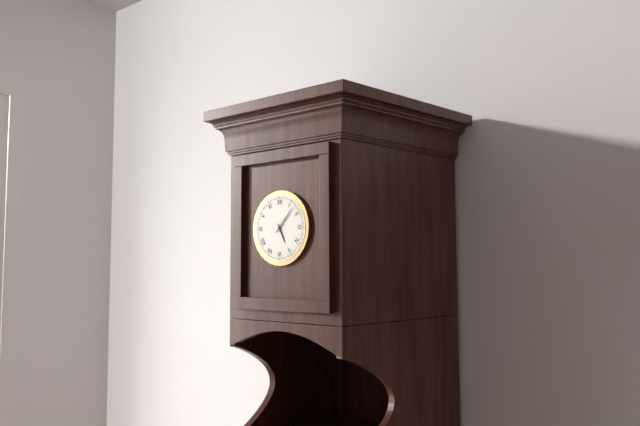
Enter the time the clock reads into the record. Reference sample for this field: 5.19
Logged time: 5.07
